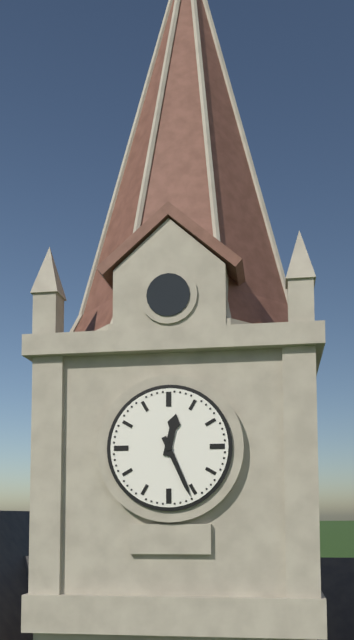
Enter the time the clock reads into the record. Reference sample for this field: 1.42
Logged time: 12.26
